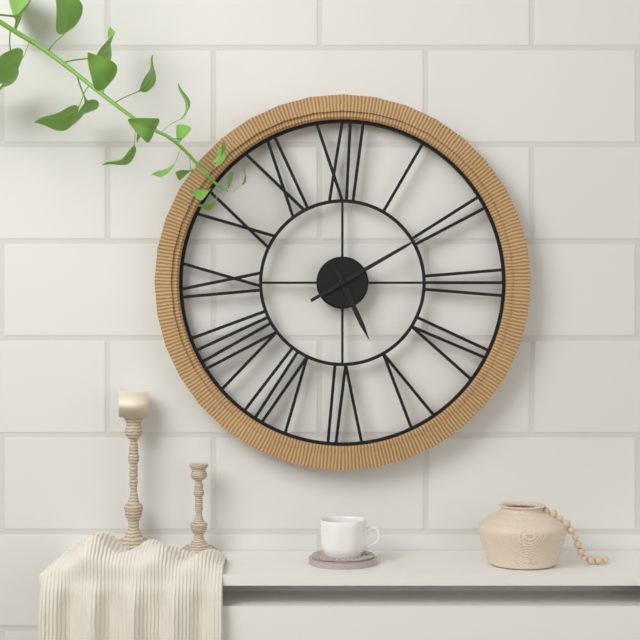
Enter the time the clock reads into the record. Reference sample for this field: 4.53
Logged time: 5.10
